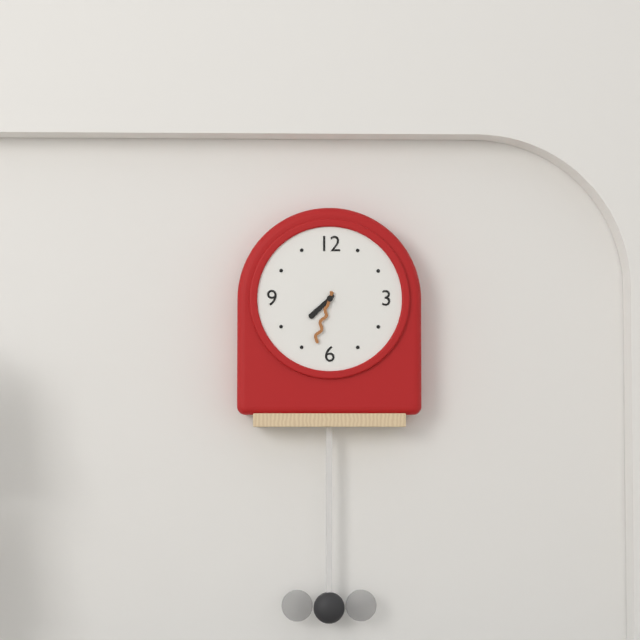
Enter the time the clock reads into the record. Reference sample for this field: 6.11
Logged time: 7.33
